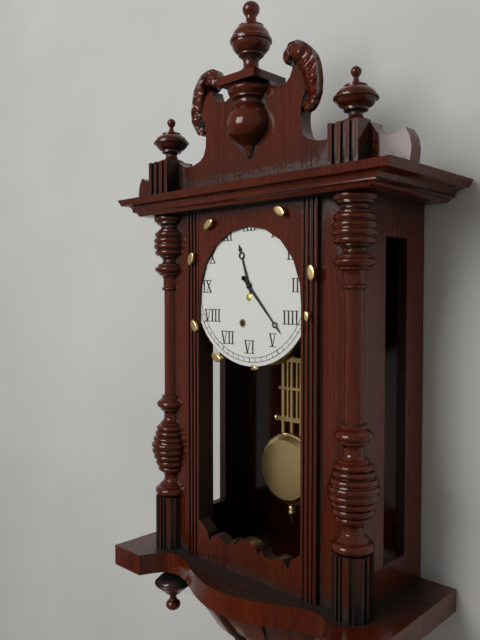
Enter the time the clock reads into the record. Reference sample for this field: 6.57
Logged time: 11.23
